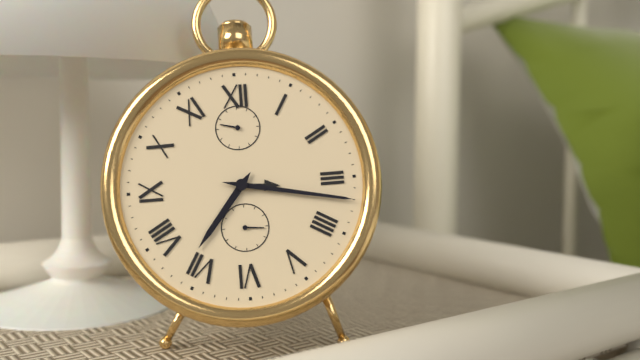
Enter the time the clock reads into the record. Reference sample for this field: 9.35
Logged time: 7.17
